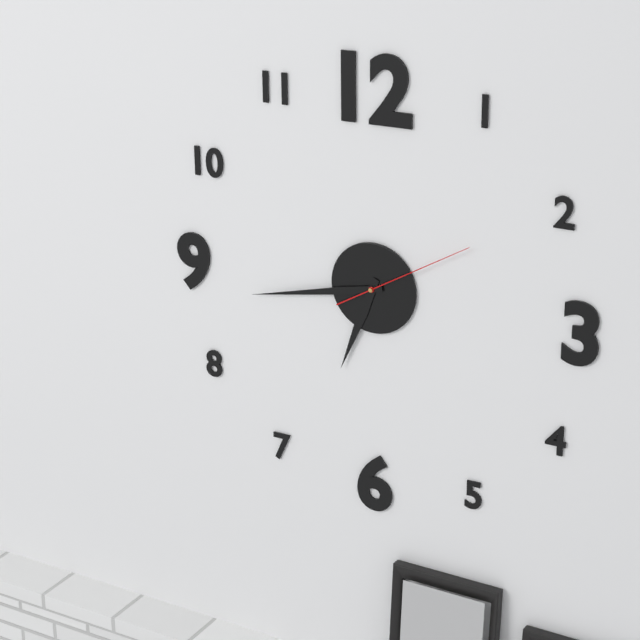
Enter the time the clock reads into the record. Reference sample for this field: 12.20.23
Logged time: 6.43.10
